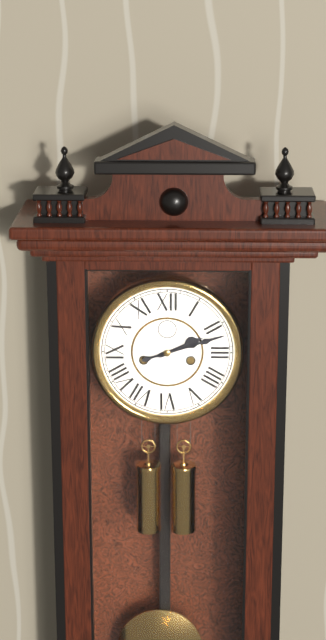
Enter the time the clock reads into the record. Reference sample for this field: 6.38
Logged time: 2.12
